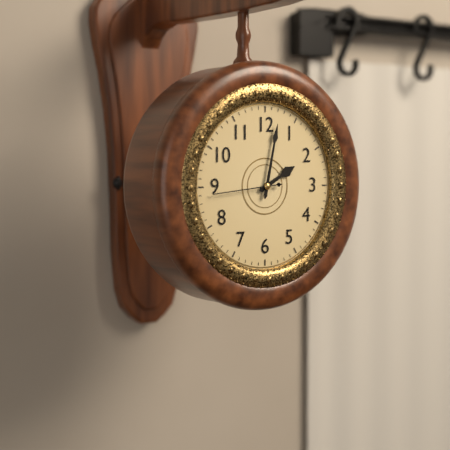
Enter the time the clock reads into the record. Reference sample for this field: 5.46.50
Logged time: 2.02.44
